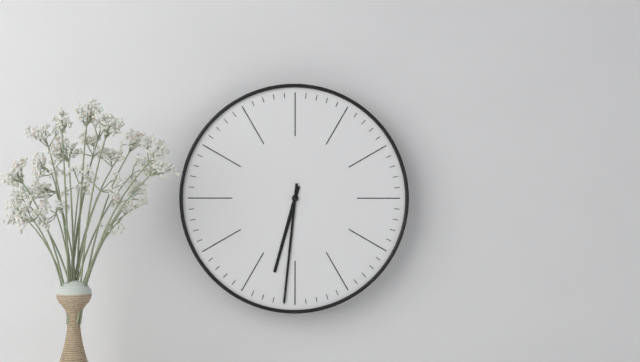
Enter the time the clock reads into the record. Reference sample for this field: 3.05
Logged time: 6.31
